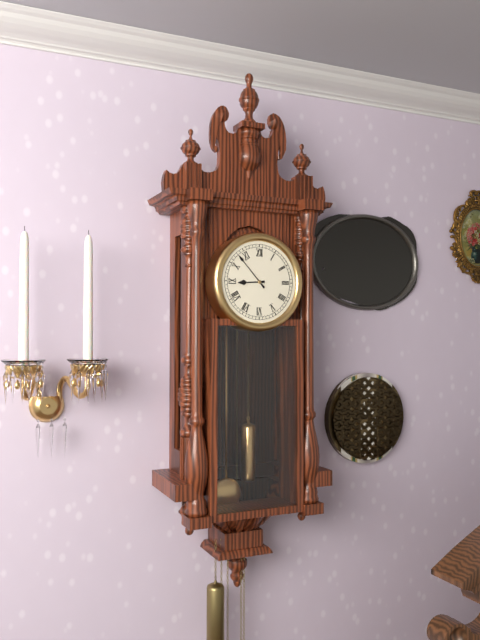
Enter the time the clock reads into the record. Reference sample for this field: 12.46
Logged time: 8.53
